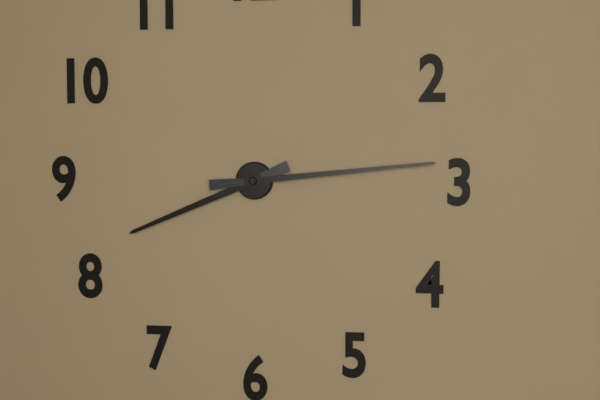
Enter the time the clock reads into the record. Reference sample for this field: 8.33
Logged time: 8.14
